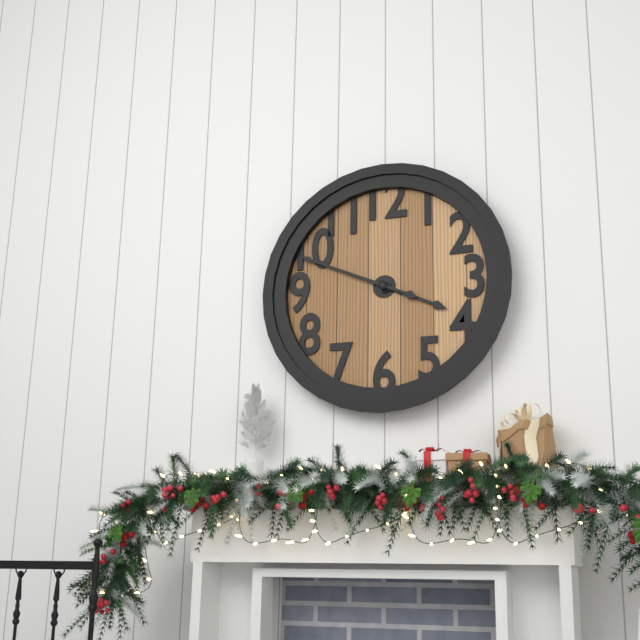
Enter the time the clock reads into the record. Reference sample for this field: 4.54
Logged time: 3.49
